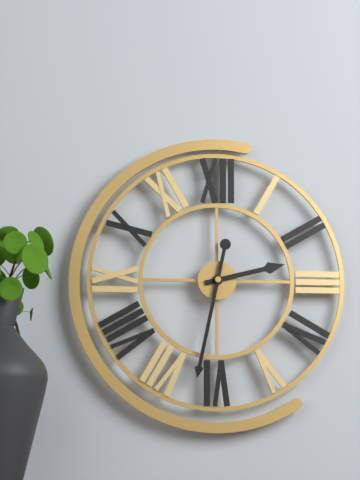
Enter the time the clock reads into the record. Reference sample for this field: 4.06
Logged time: 2.32
